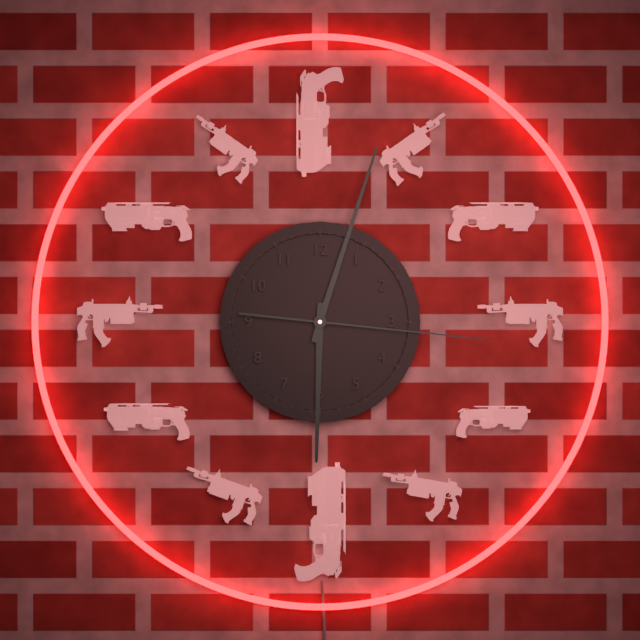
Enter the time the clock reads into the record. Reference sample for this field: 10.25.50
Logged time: 6.03.16
